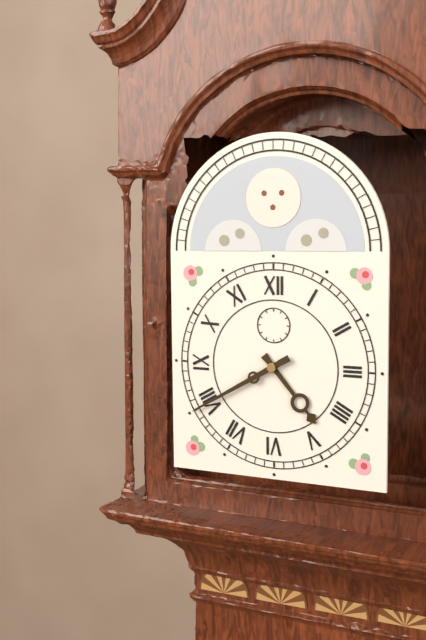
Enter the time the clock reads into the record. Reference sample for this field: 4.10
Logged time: 4.40
